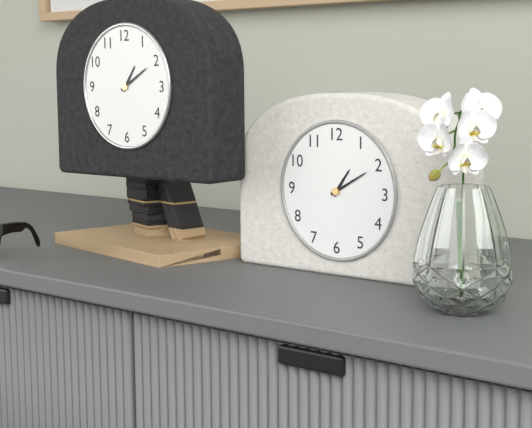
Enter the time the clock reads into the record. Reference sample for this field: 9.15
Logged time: 1.10
